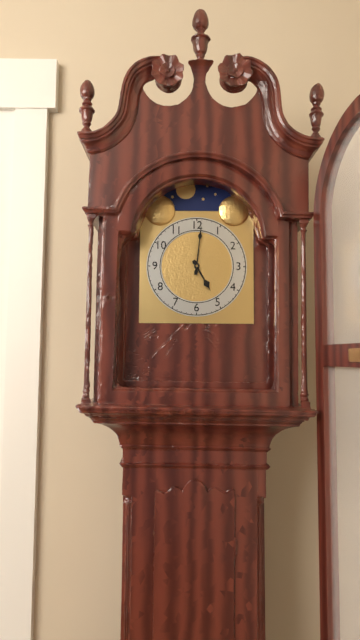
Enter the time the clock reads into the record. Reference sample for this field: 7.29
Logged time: 5.01
